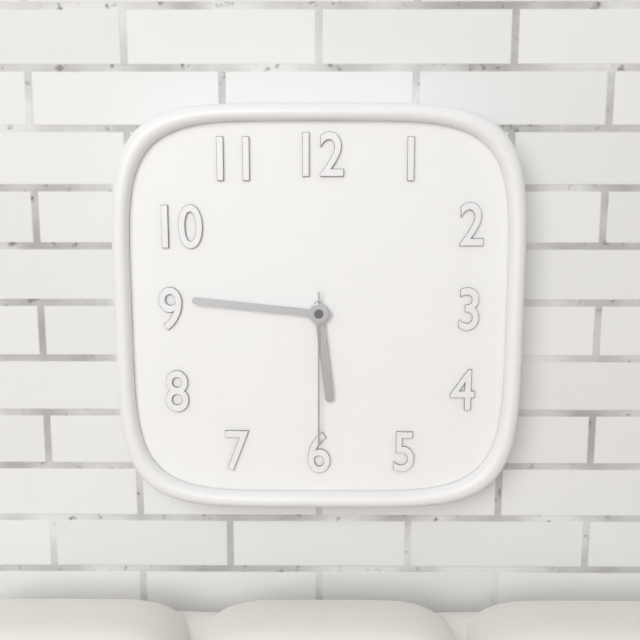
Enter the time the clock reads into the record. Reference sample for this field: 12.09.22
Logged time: 5.46.30
